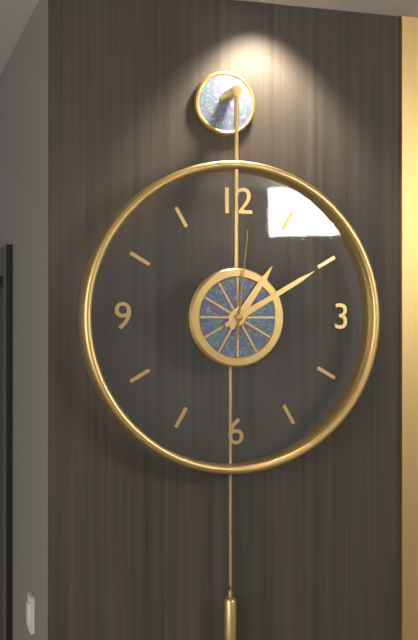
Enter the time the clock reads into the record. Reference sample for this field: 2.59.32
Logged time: 1.10.01
